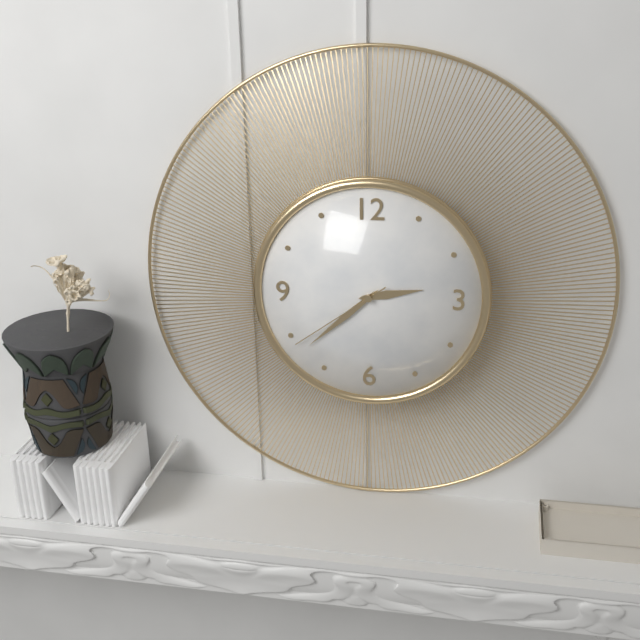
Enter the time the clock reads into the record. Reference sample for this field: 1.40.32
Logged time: 2.38.39
